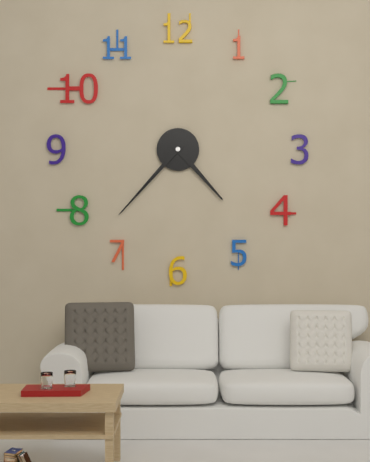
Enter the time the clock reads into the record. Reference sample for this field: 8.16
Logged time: 4.37
